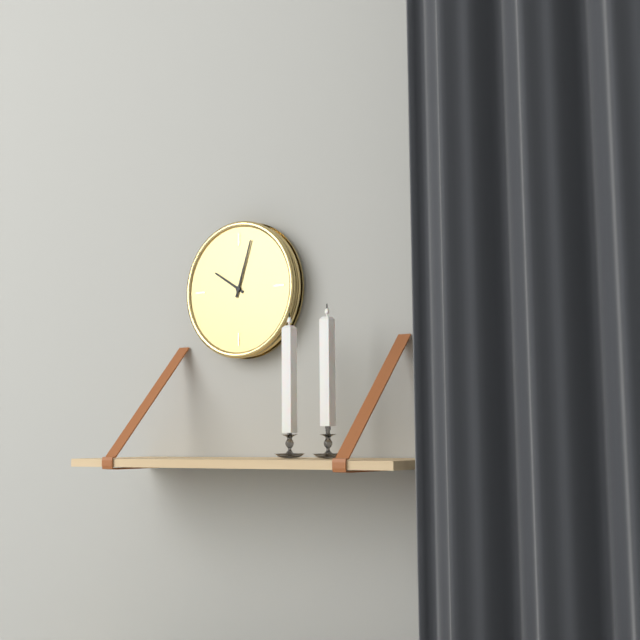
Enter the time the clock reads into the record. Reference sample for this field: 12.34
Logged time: 10.03
